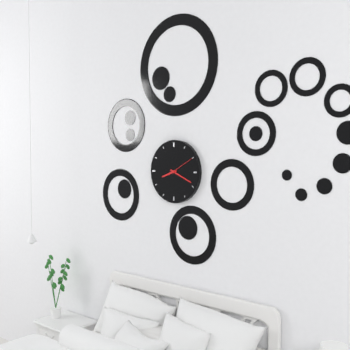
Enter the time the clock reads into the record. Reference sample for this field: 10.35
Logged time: 8.19
